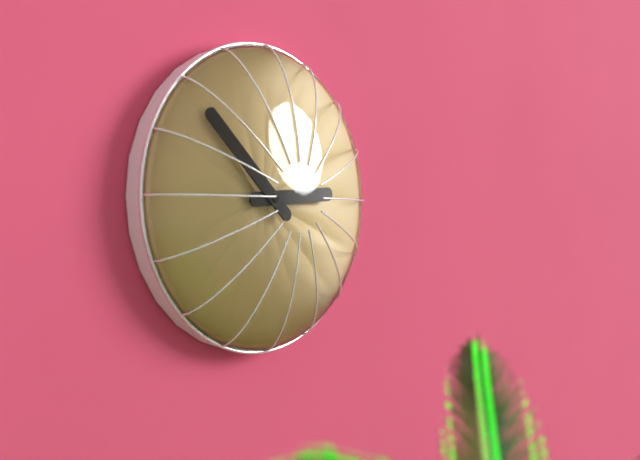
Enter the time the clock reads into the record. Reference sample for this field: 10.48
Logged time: 2.52
